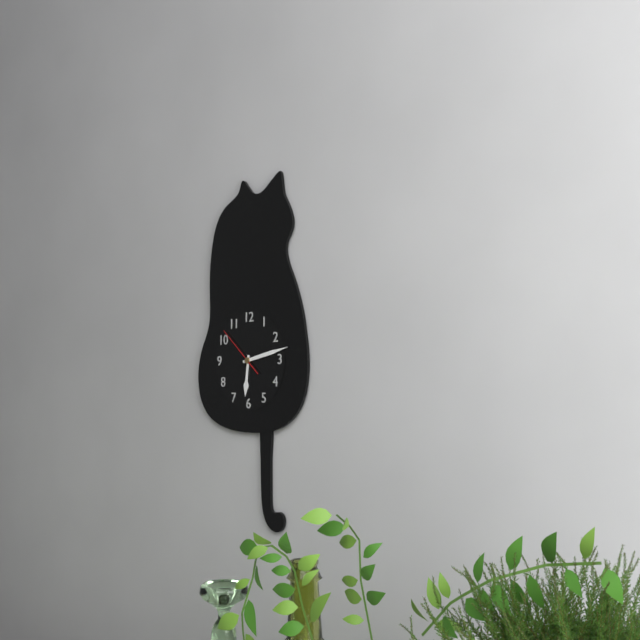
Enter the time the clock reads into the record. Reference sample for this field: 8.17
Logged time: 6.13
